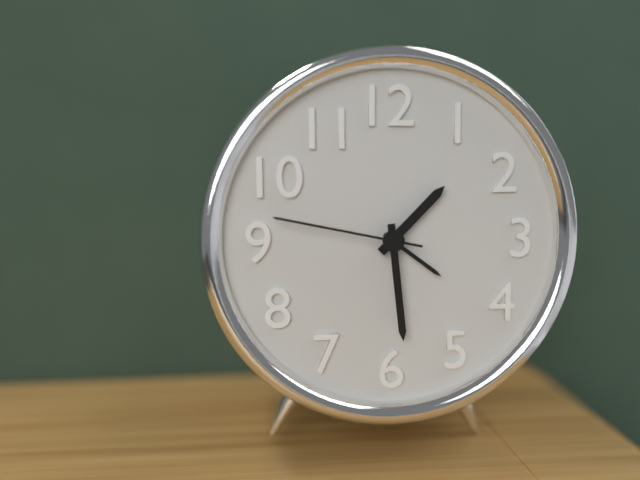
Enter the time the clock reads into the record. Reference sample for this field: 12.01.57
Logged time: 1.29.47
